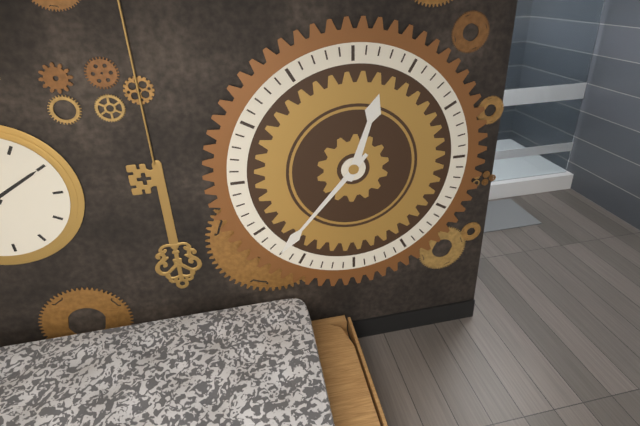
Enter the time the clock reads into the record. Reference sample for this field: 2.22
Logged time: 12.37
